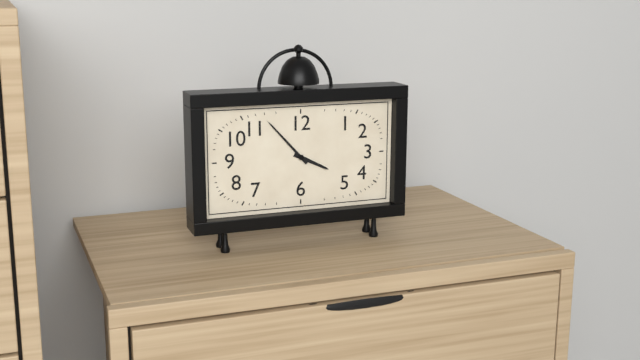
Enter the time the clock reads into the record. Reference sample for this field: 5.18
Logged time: 3.53
